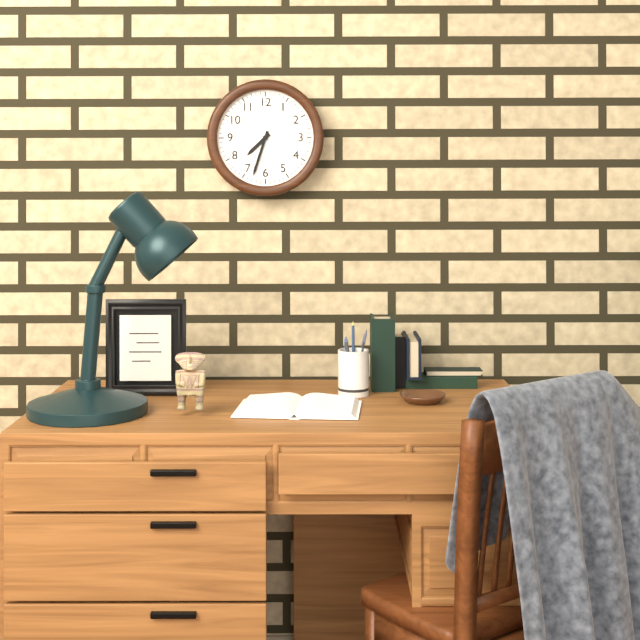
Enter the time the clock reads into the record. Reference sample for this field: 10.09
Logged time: 7.33
